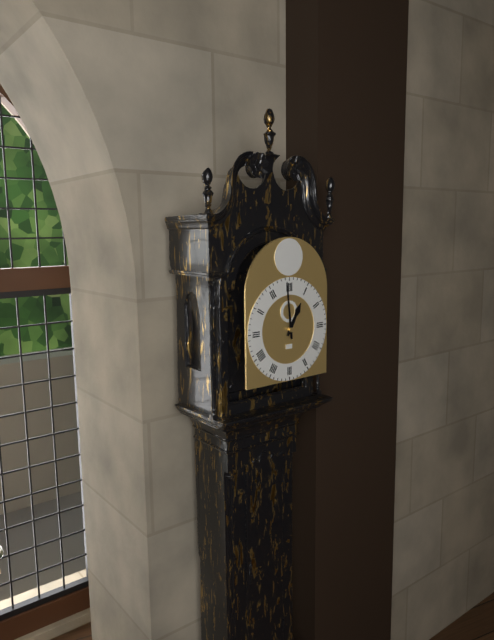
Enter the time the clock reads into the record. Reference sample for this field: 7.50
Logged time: 12.59
